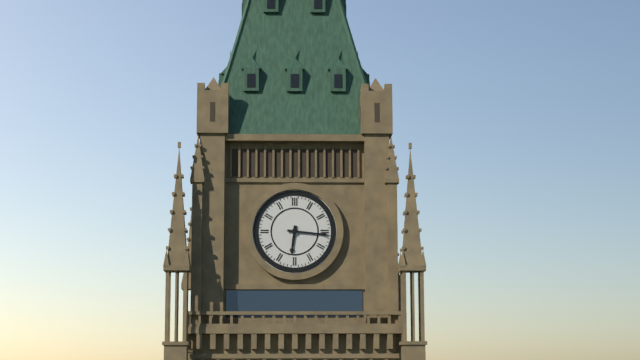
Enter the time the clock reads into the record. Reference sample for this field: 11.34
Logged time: 6.16
